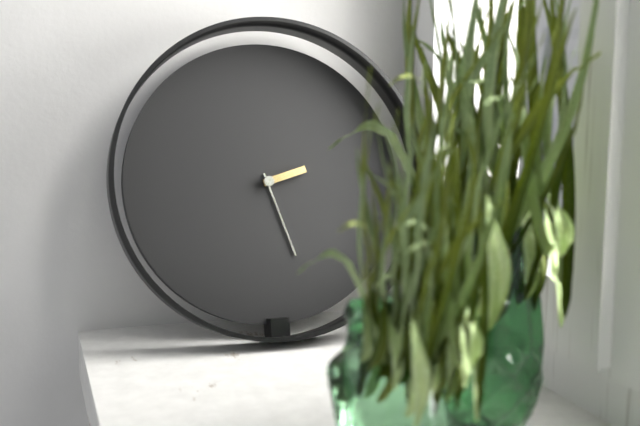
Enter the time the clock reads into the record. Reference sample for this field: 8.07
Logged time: 2.27
